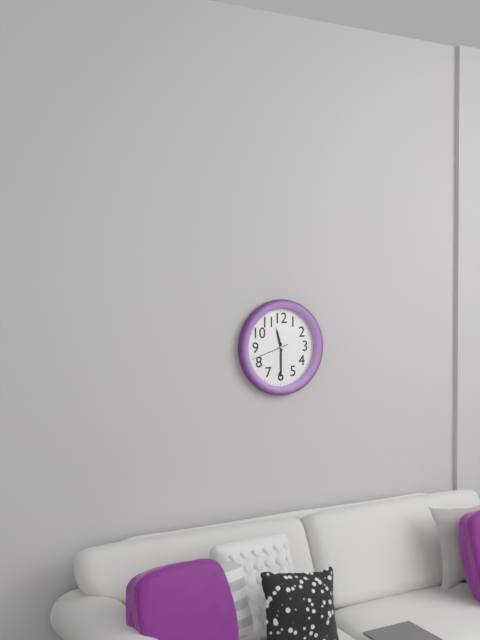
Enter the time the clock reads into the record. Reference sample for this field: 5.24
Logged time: 11.30
